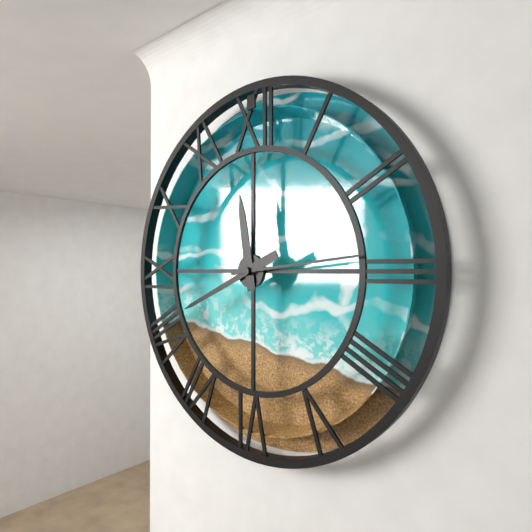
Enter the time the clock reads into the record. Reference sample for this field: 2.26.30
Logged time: 11.41.14
